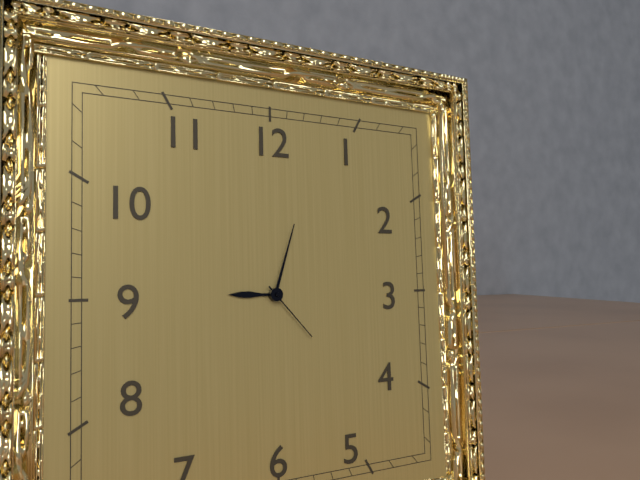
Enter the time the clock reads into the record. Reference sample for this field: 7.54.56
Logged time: 9.03.23
